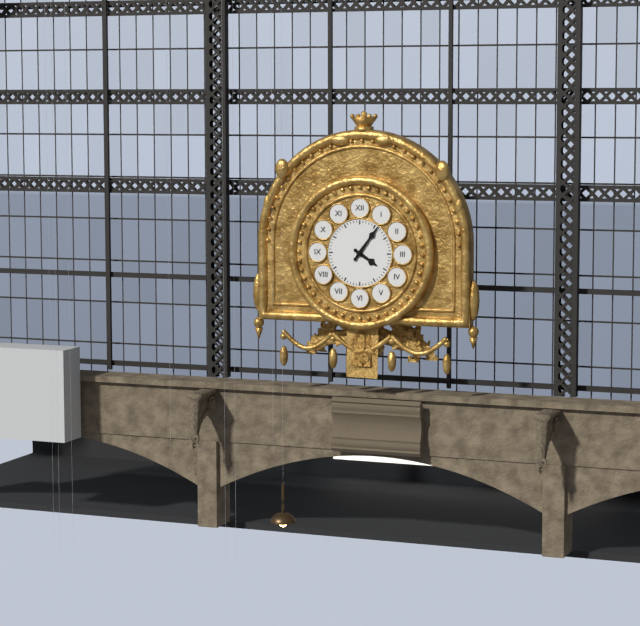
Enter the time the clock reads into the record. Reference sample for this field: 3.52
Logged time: 4.06
